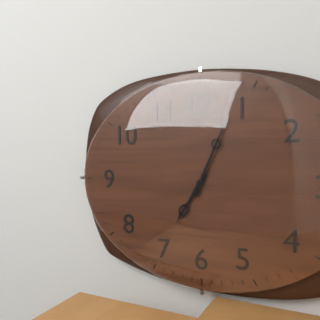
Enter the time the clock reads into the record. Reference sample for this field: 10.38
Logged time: 7.04
